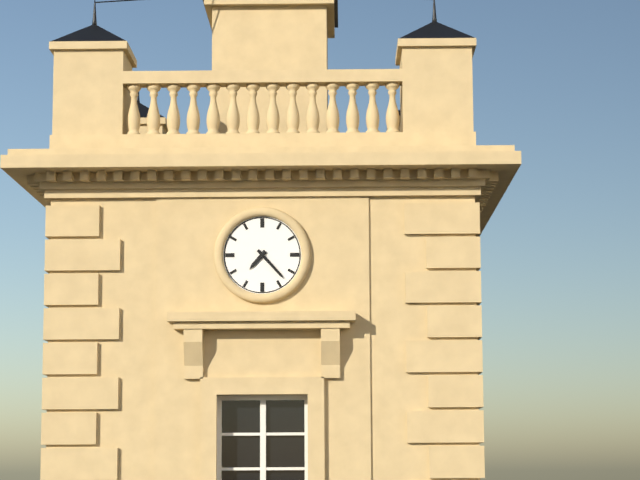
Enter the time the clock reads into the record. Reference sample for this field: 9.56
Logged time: 7.23
